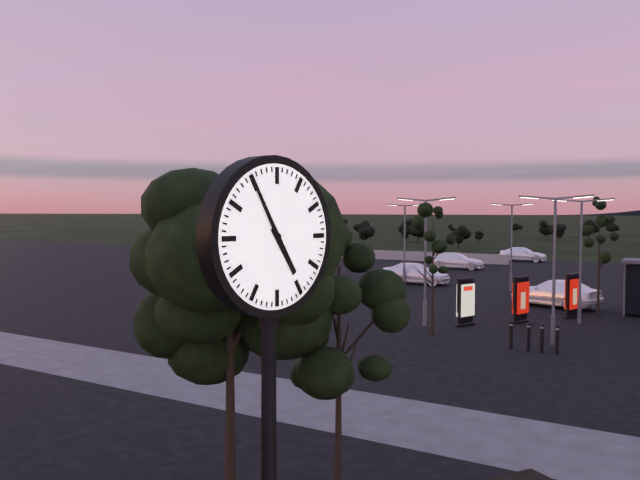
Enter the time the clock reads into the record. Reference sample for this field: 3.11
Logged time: 4.55
